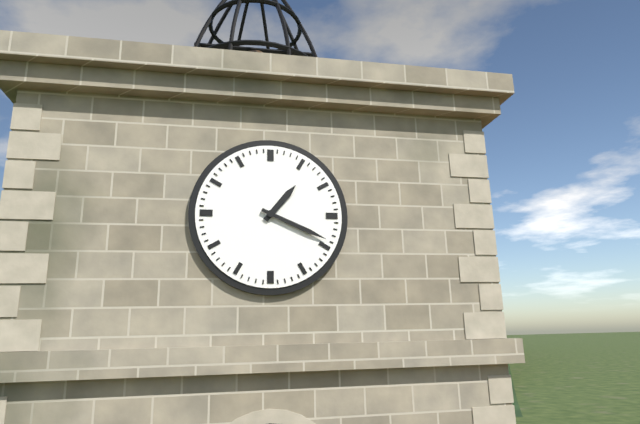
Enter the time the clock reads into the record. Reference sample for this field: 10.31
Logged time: 1.19
